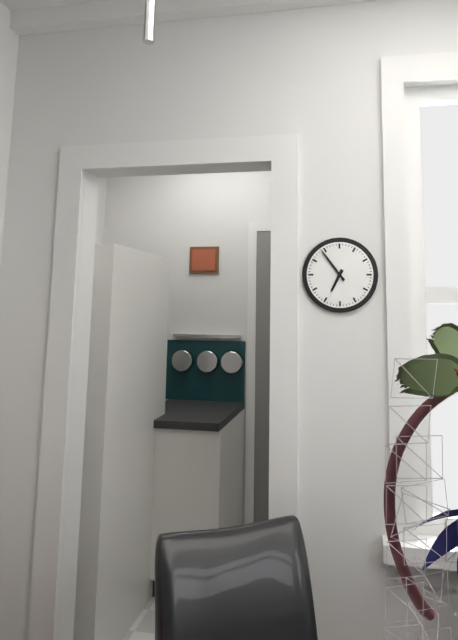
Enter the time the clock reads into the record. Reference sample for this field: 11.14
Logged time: 6.54
